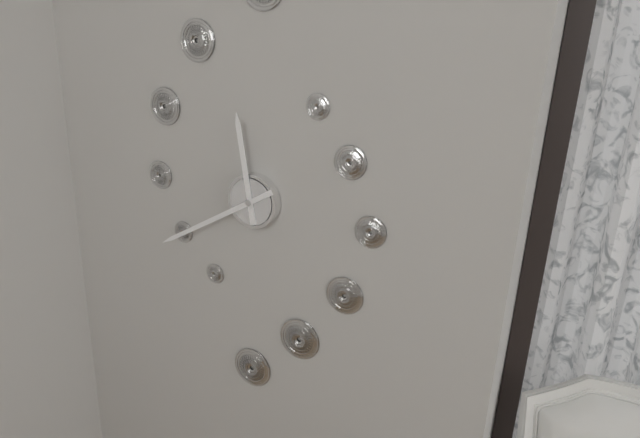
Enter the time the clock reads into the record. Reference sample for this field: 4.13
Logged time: 11.40
